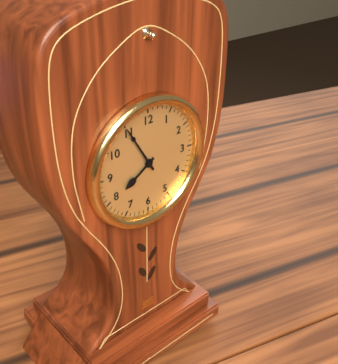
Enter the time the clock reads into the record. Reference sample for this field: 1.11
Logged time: 7.55
